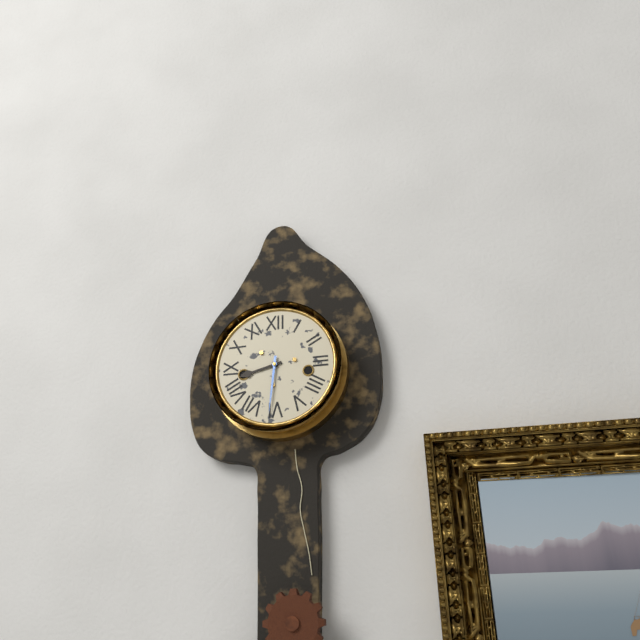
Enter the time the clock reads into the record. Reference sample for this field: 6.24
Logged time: 8.31
